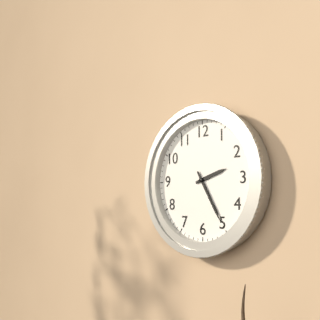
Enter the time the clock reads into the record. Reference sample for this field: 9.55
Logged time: 2.25
